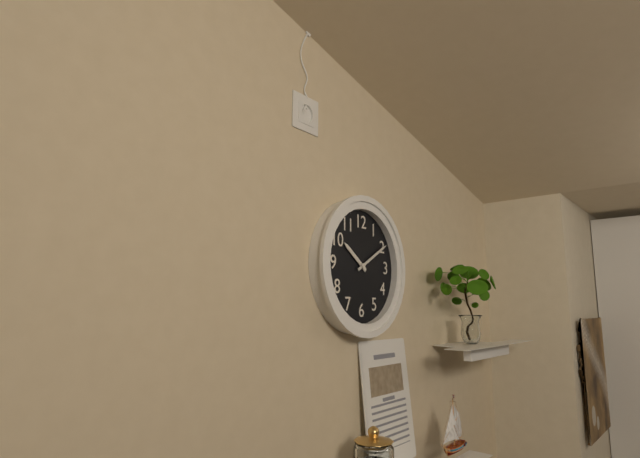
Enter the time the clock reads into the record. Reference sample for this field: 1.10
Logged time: 10.10
